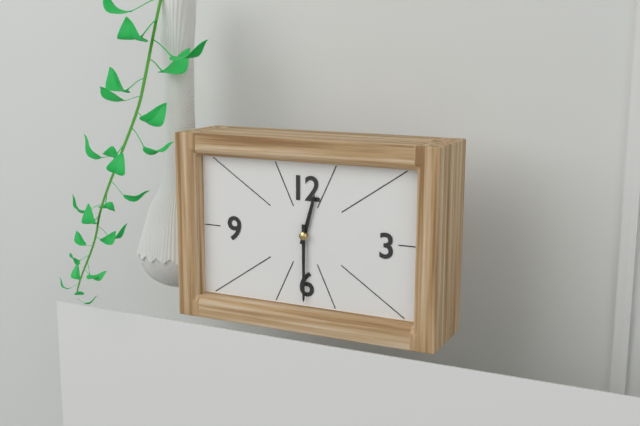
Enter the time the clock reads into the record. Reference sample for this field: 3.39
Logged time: 12.30
